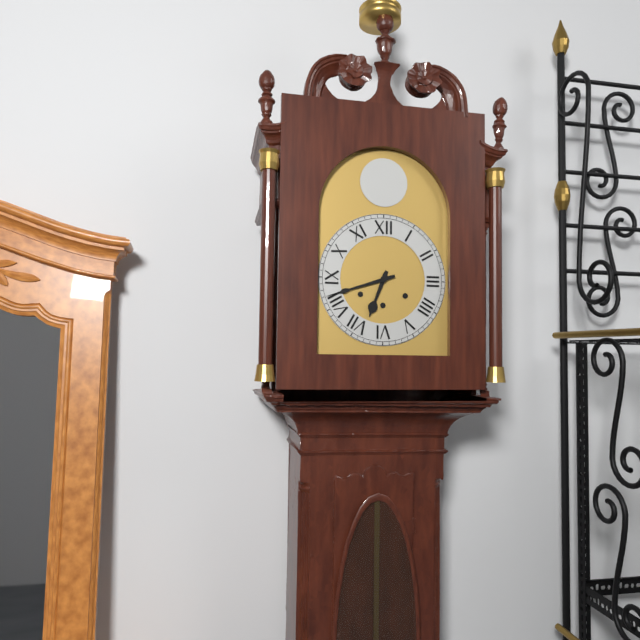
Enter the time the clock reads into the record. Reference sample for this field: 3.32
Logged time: 6.42
